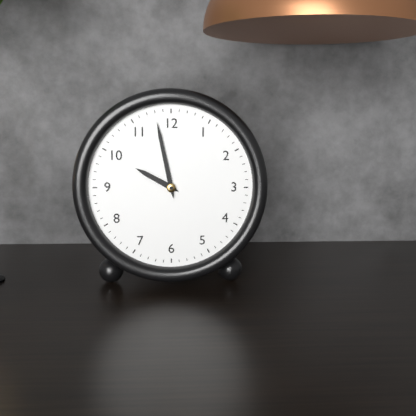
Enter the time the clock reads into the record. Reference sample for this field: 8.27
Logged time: 9.58
